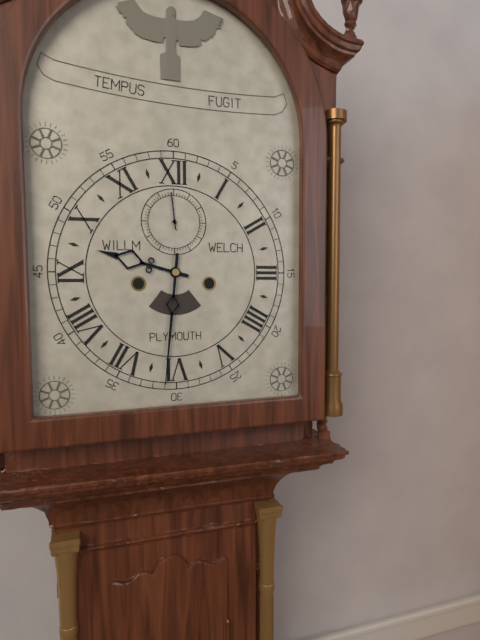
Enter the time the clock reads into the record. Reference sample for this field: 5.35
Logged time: 9.31
